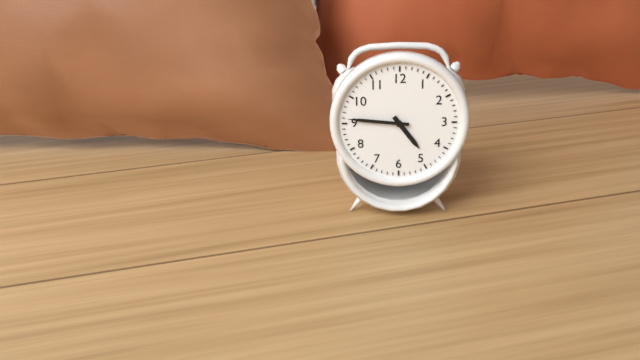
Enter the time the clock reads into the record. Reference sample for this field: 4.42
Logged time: 4.46
